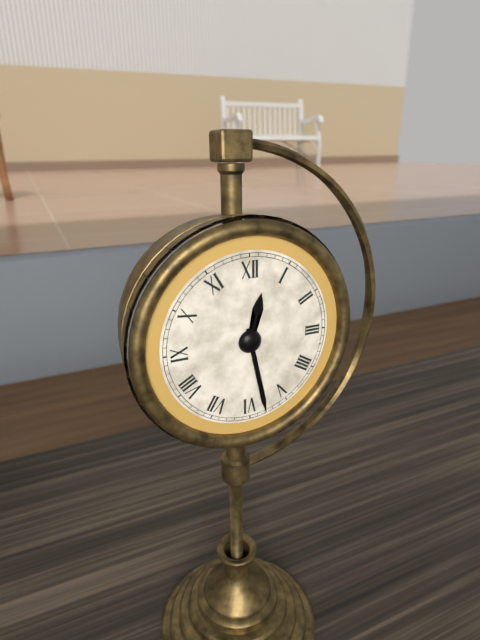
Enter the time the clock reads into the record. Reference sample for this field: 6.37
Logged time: 12.28
